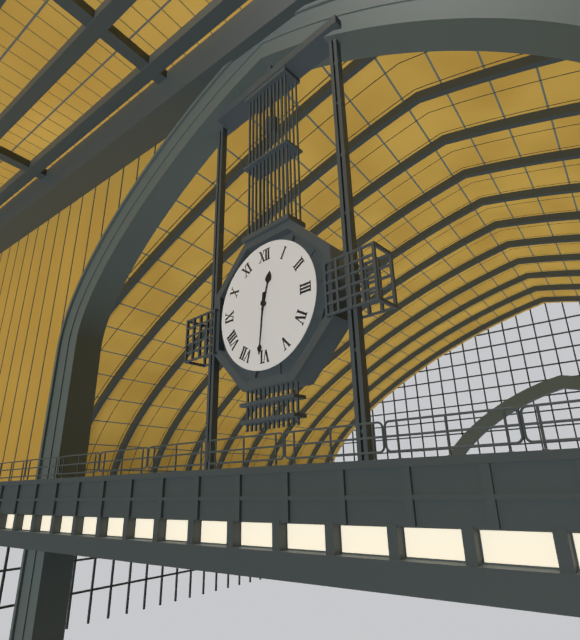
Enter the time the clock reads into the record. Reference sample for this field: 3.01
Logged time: 12.31
